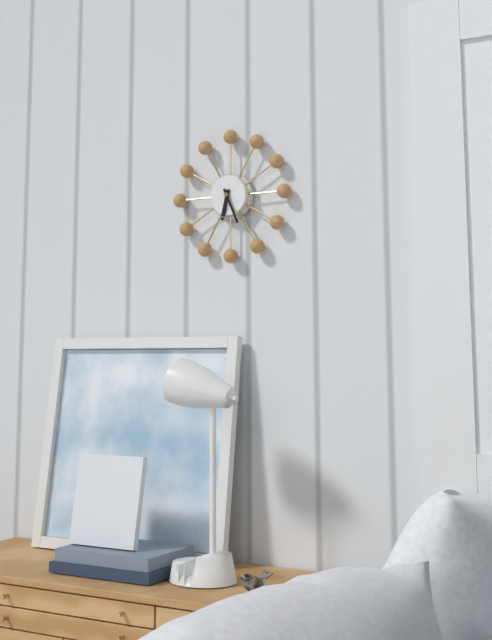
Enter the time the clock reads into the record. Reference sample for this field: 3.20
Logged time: 6.26
